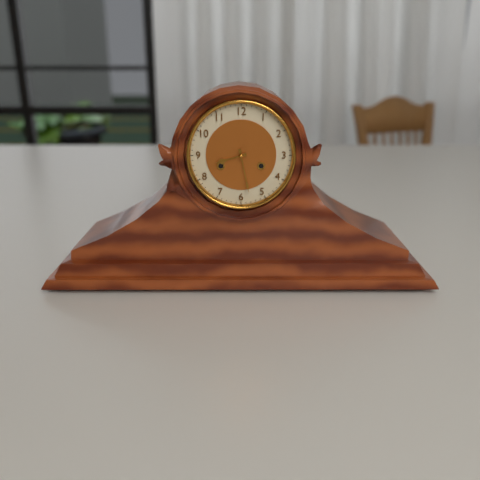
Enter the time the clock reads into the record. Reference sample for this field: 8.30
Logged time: 8.28
